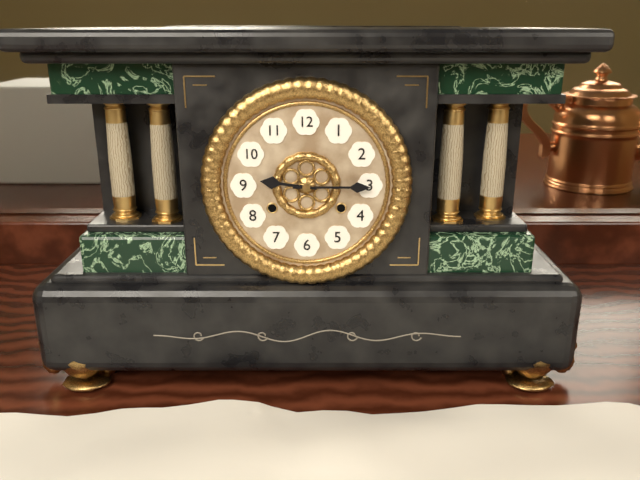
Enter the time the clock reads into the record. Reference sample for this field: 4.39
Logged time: 9.15
